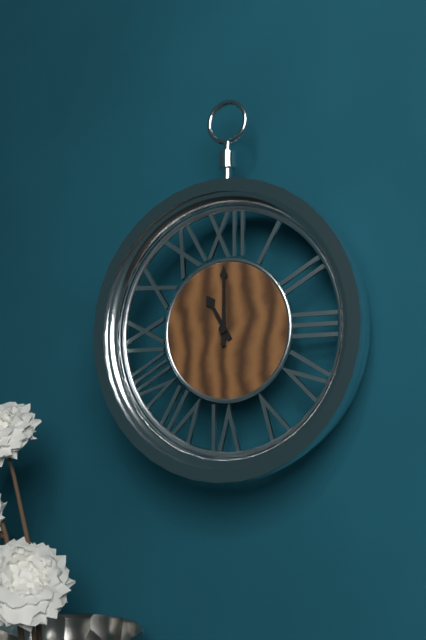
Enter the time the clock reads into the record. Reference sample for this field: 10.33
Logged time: 11.00
